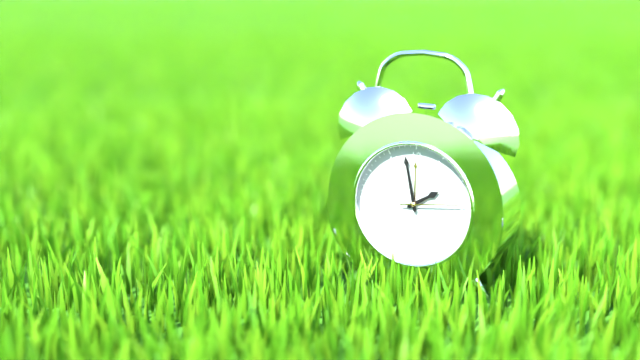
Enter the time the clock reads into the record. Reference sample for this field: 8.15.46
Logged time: 1.58.14
